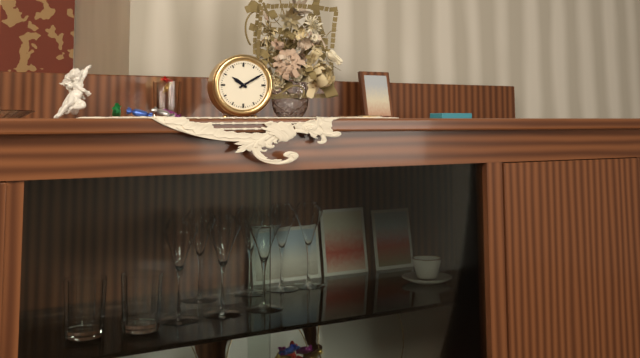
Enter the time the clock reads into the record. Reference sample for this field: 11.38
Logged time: 10.10
